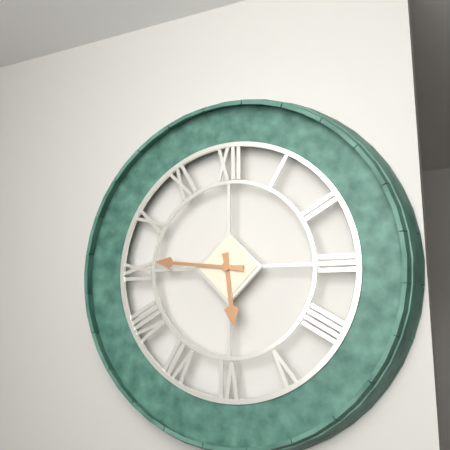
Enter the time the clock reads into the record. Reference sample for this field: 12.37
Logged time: 5.46
